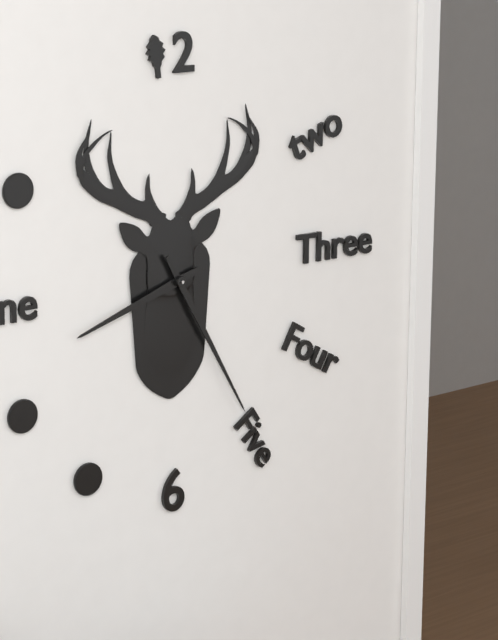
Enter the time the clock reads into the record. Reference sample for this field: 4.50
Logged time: 8.25
